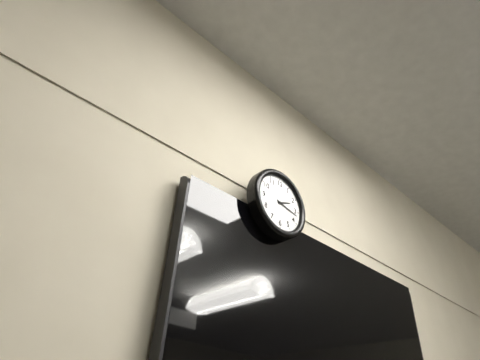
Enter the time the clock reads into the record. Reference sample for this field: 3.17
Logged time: 2.17
